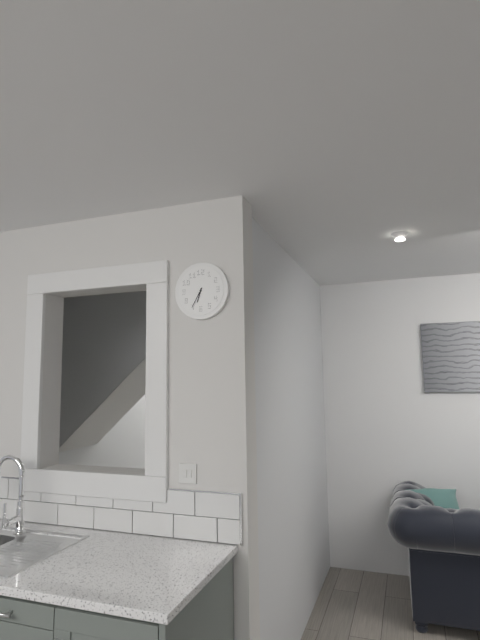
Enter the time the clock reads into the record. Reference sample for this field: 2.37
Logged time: 6.35
